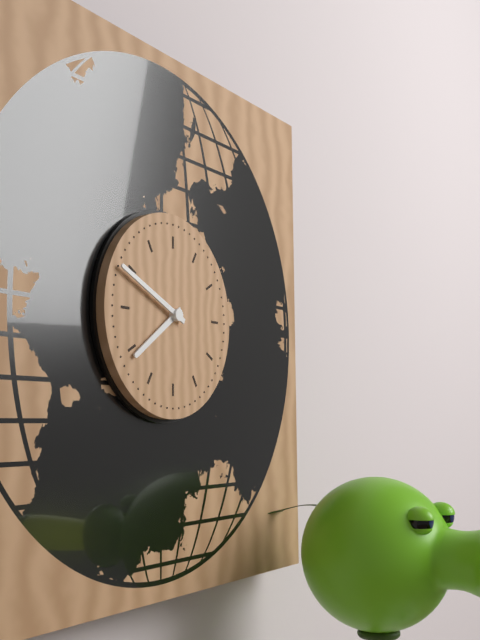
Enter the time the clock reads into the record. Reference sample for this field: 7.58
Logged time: 7.49
